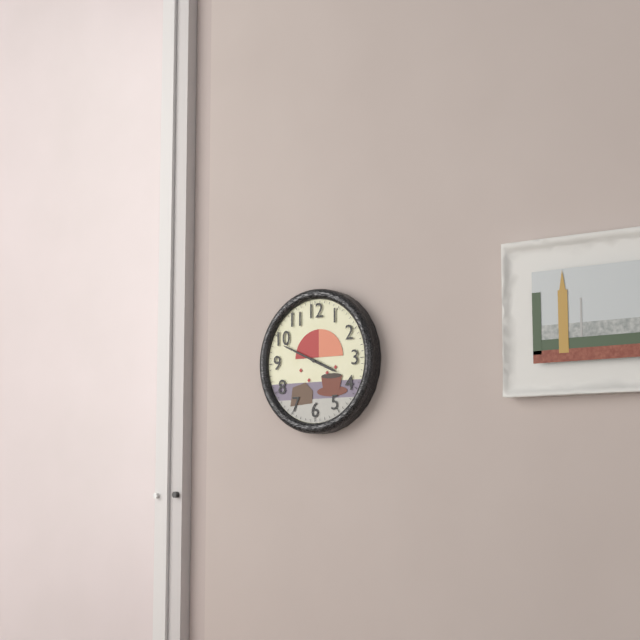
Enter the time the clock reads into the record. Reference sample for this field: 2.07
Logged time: 3.49
